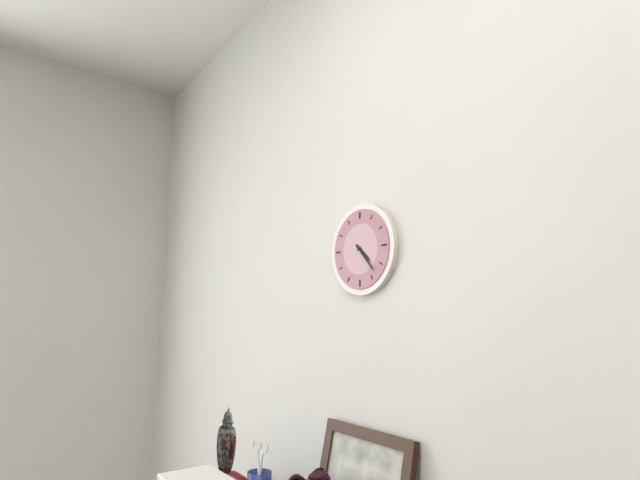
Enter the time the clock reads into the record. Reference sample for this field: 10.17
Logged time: 4.23
